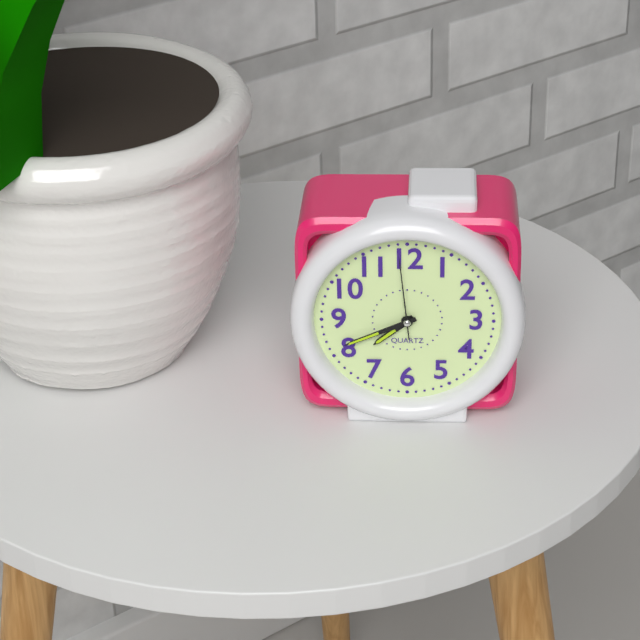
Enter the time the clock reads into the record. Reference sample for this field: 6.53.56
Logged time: 7.41.59
